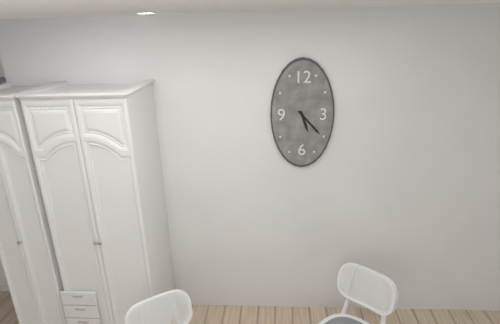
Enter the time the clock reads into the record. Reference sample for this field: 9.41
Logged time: 5.23
